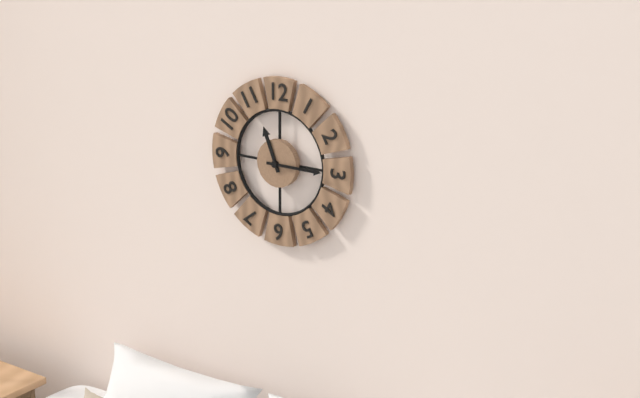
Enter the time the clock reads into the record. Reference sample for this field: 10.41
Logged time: 11.15
